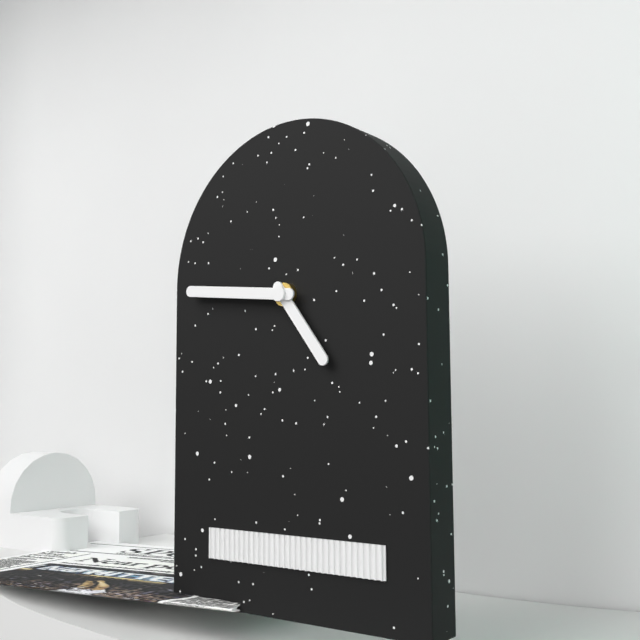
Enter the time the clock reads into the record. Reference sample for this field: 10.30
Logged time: 4.46
